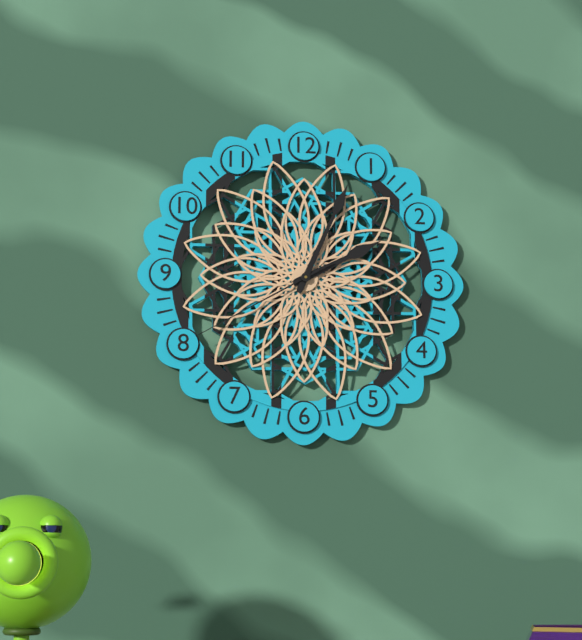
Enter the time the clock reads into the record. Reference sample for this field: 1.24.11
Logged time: 2.04.40
